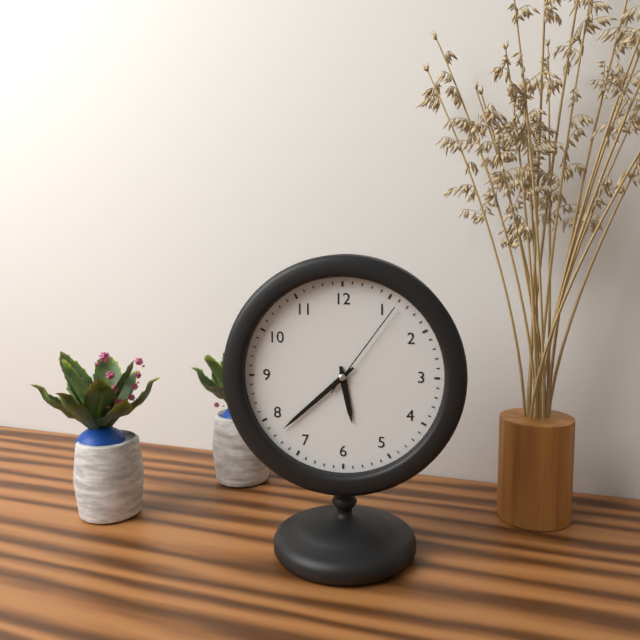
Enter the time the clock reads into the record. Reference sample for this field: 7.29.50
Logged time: 5.38.06
